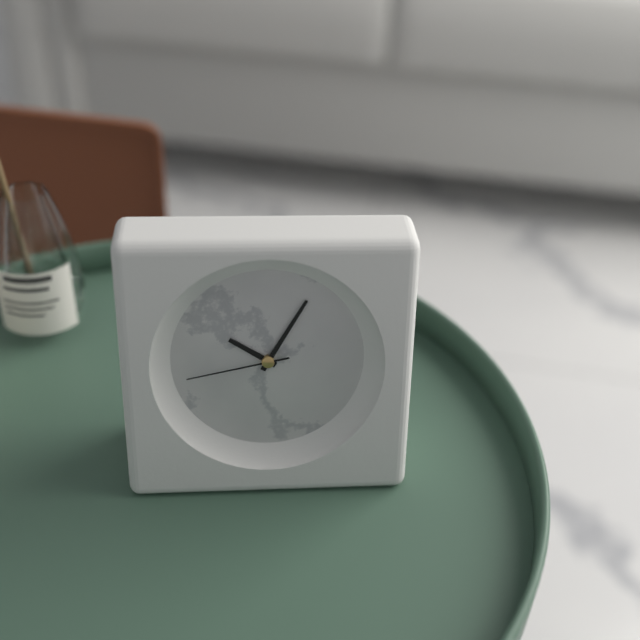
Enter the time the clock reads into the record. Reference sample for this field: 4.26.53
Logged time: 10.05.43
